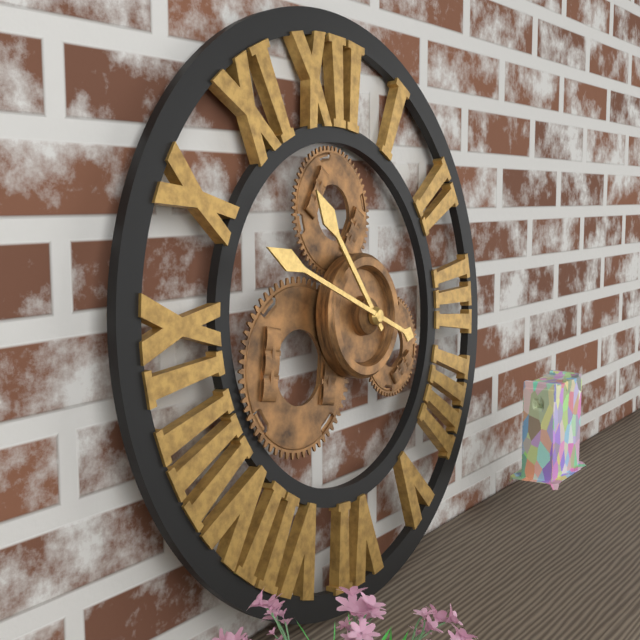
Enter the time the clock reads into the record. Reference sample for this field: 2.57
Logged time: 10.49
